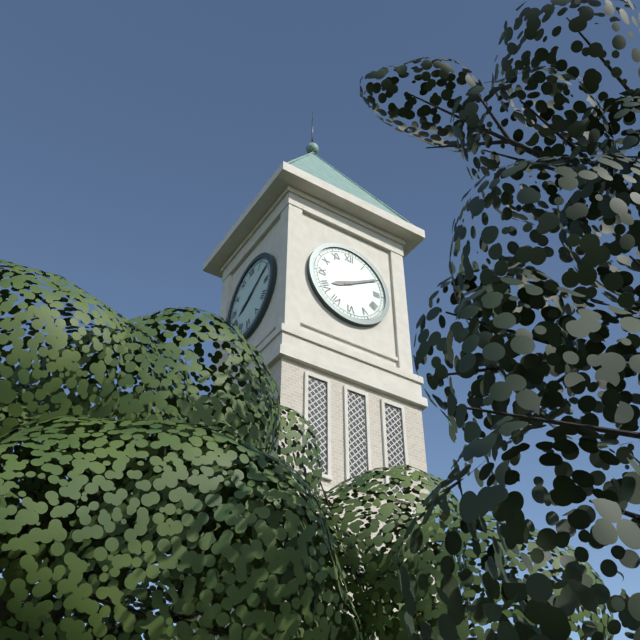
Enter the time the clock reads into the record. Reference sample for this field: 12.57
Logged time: 8.10
